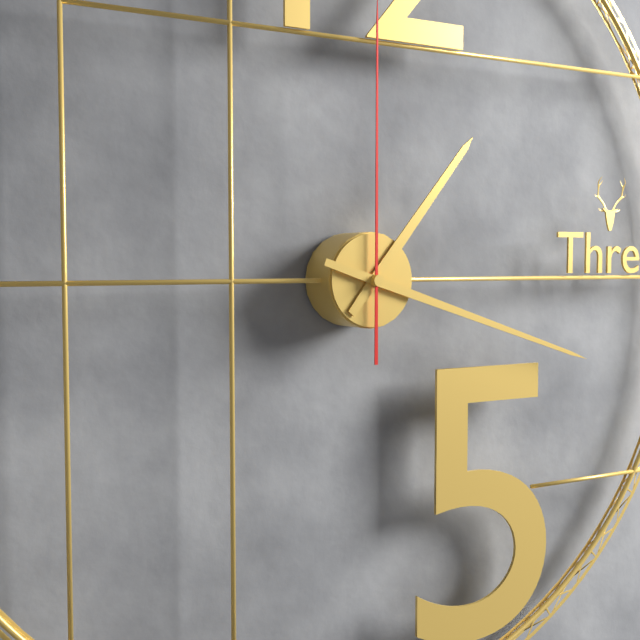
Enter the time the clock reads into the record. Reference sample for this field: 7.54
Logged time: 1.18
